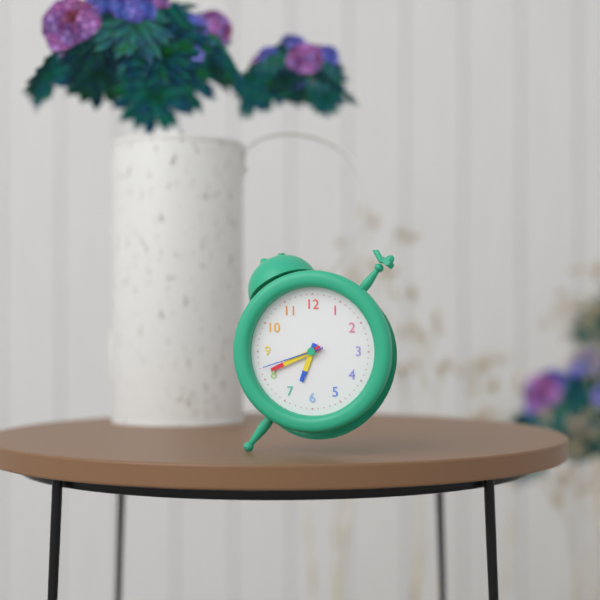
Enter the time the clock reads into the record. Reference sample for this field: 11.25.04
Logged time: 6.41.42
